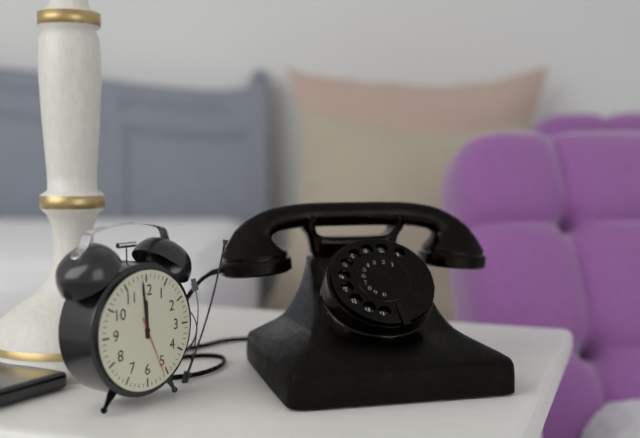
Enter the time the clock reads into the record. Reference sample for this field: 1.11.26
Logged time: 11.59.26
